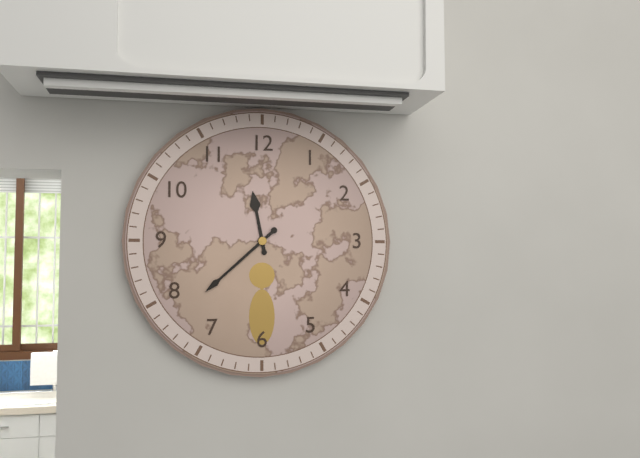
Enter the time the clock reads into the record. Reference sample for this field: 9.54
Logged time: 11.38
